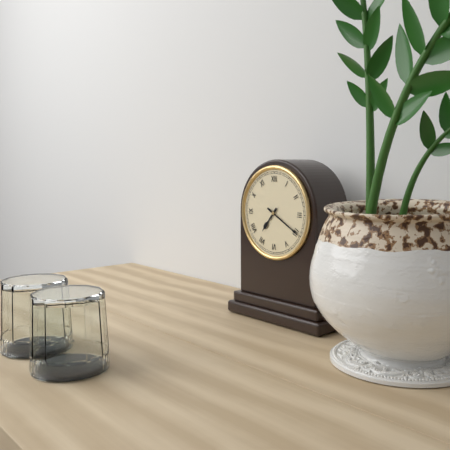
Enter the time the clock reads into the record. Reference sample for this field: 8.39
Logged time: 7.20
